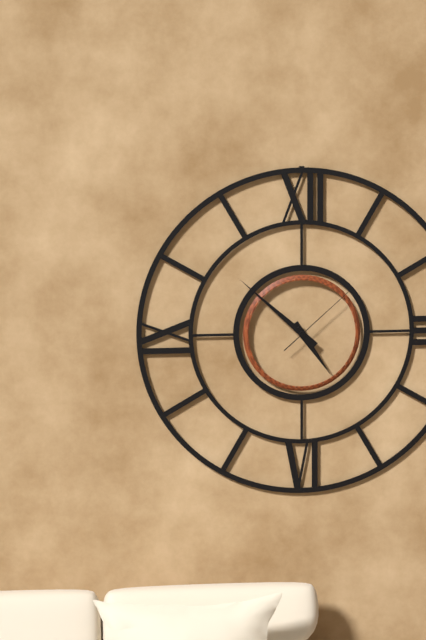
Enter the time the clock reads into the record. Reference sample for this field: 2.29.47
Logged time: 4.52.08
